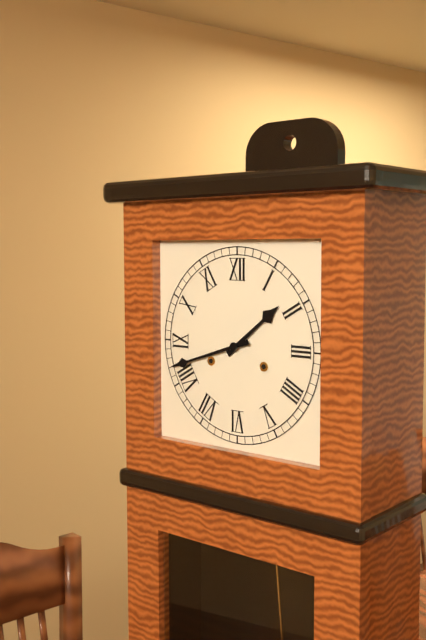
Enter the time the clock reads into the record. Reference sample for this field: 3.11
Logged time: 1.42
